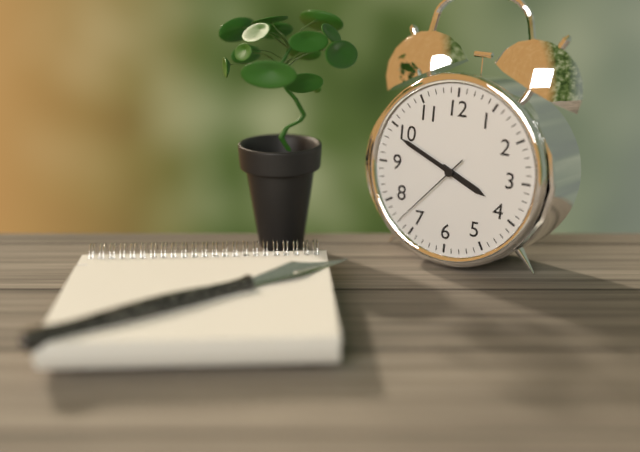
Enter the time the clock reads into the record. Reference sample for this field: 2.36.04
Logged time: 3.49.37
